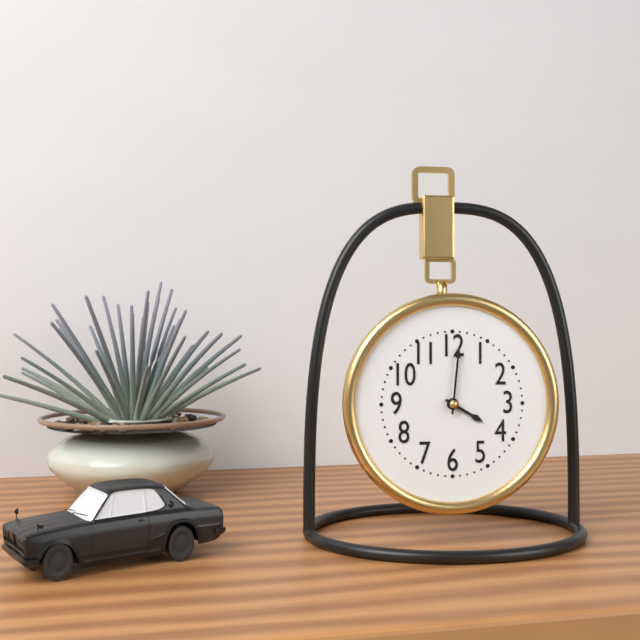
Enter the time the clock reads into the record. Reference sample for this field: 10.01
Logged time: 4.01
